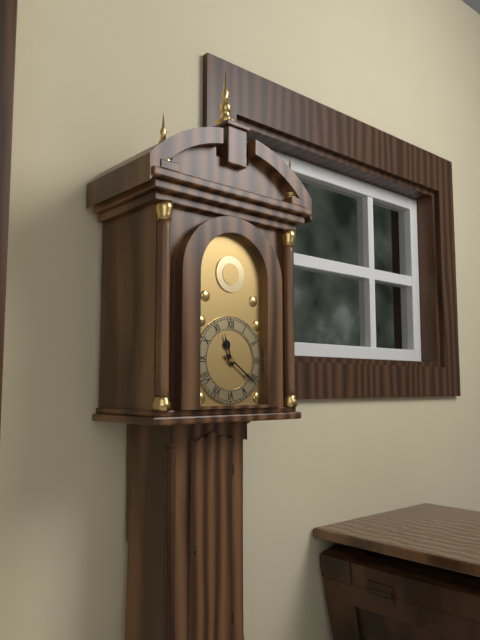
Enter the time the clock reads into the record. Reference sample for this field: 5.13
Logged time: 11.21
